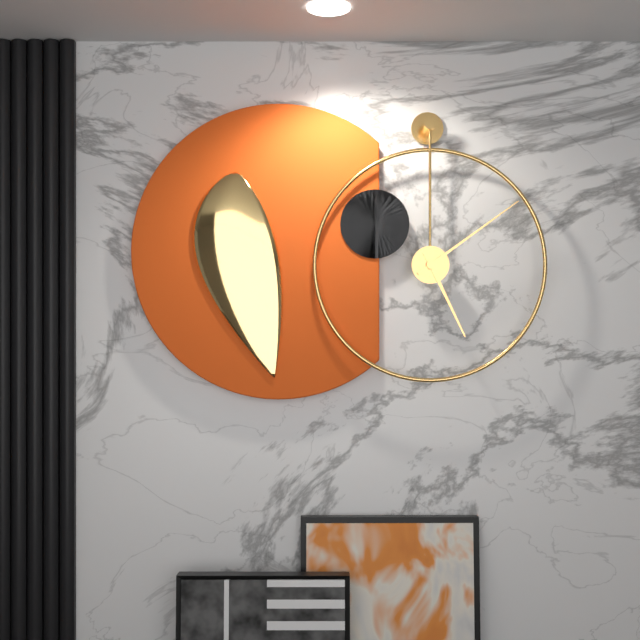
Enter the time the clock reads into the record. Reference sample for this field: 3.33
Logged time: 5.09
